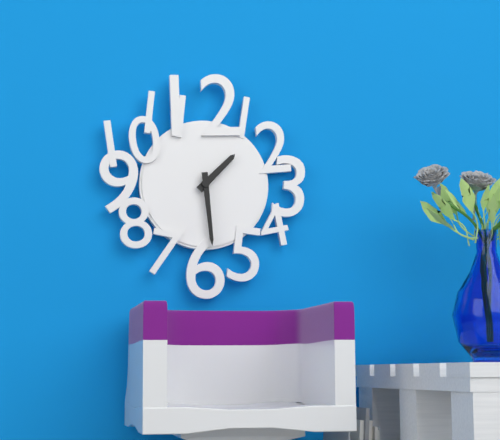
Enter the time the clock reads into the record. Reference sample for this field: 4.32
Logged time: 1.29
